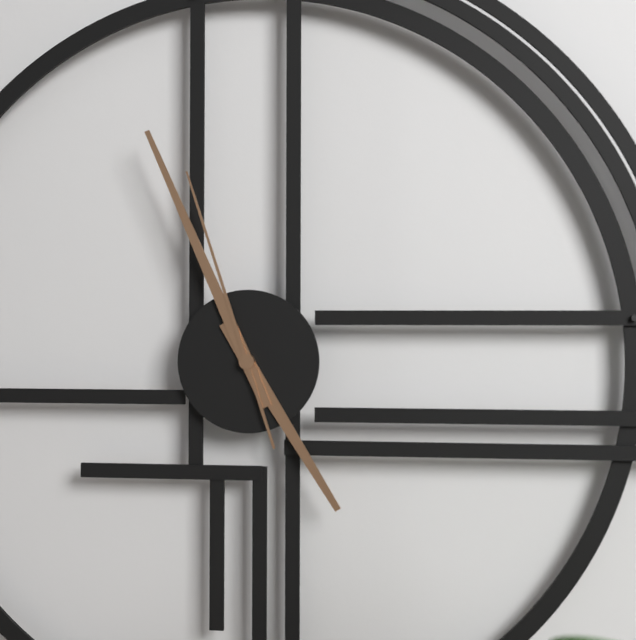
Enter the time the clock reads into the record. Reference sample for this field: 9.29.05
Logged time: 4.56.57
